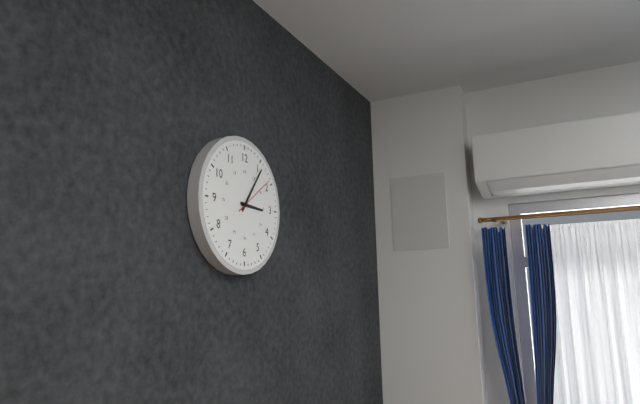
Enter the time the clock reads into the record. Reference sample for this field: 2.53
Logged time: 3.06
